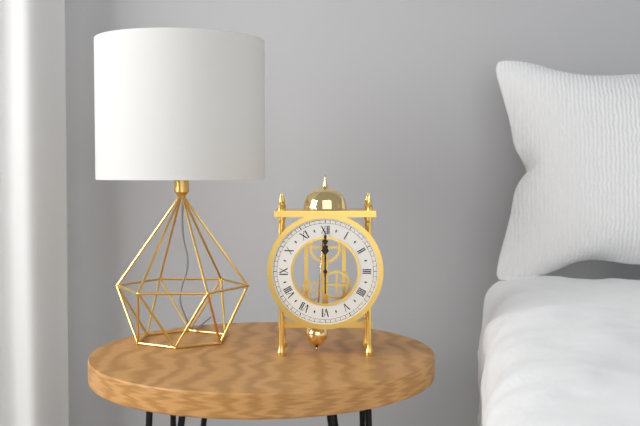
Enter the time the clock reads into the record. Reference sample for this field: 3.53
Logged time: 12.00
